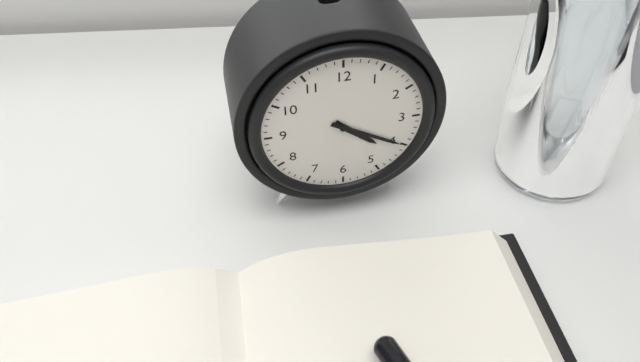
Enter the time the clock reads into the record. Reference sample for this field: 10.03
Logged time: 4.20
